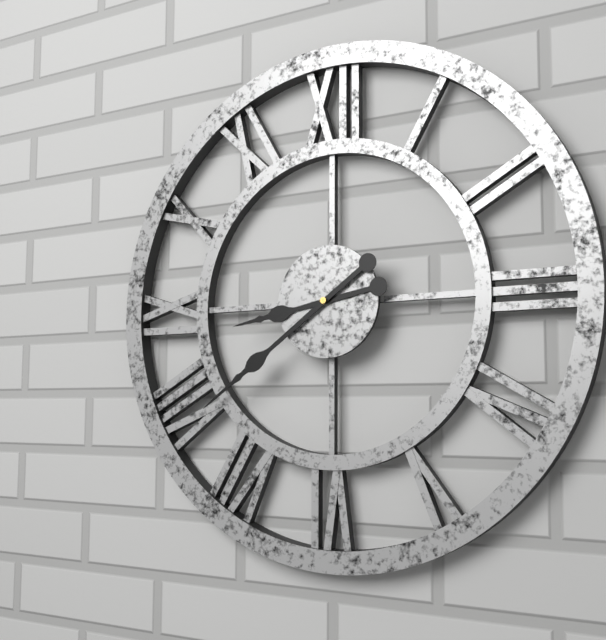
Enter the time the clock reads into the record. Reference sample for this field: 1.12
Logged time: 8.39
